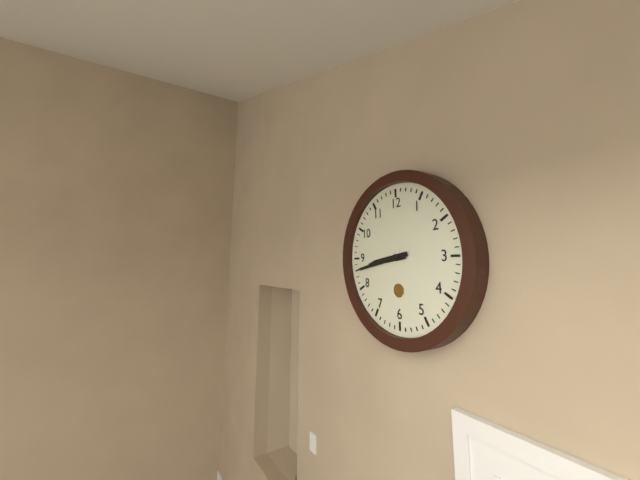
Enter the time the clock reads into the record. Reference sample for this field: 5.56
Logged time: 8.43
